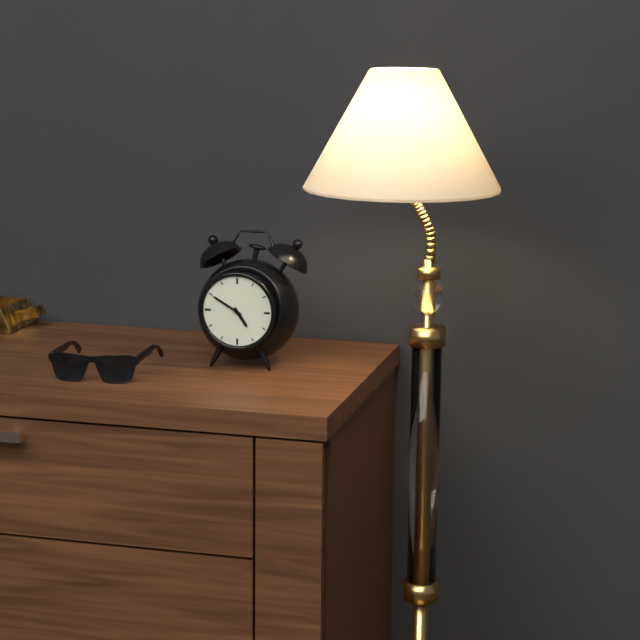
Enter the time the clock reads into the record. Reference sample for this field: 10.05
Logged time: 4.50
